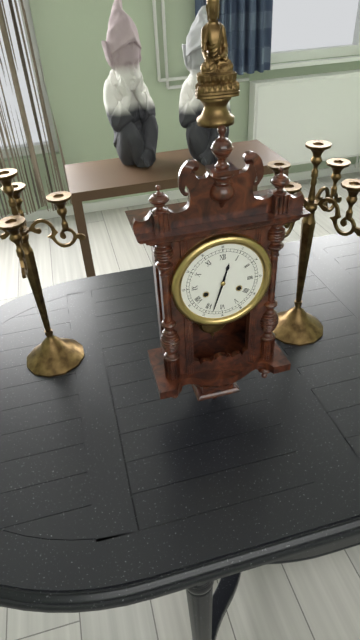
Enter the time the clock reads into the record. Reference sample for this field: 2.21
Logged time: 12.33
